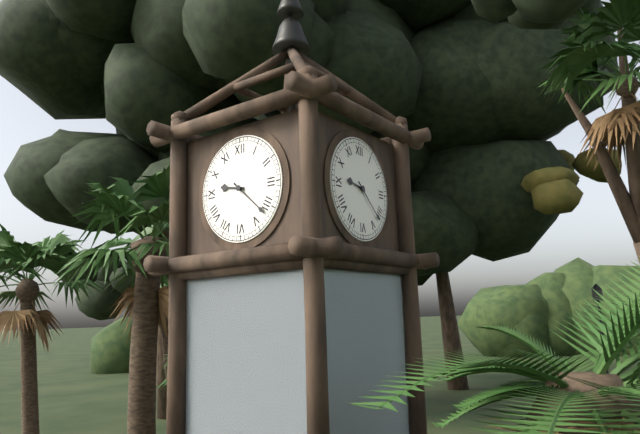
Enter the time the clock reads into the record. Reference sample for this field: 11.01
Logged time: 9.22
